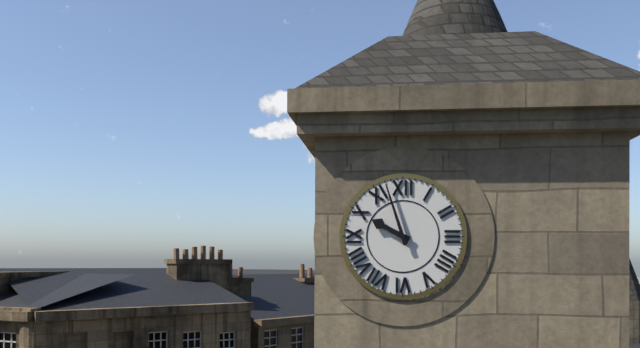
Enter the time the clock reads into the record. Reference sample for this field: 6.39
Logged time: 9.57
